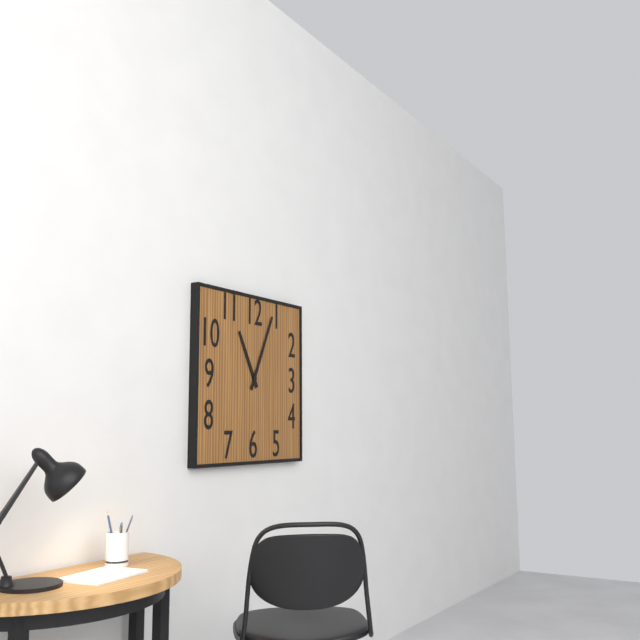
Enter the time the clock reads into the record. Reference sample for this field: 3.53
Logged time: 11.04
